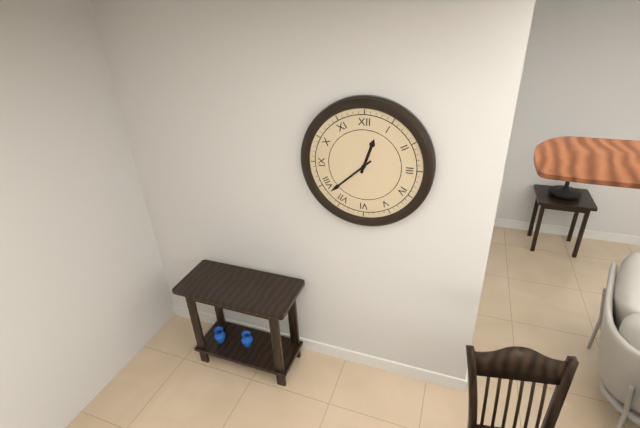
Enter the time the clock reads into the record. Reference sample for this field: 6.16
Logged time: 12.38
